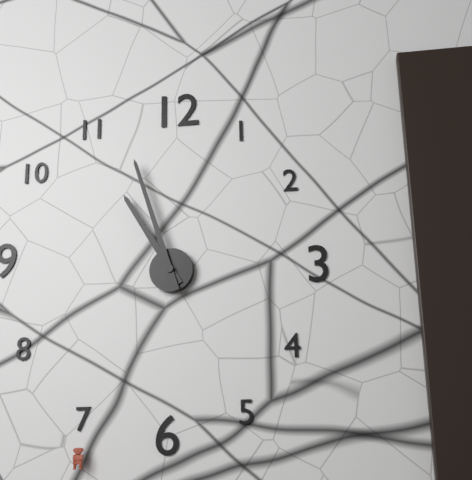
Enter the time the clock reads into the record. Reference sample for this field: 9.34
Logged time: 10.57
